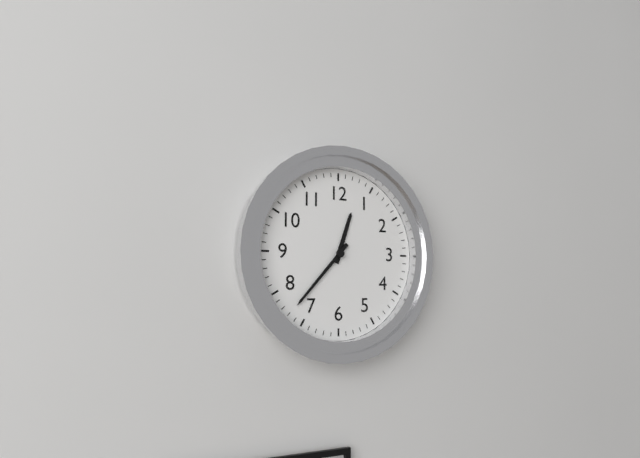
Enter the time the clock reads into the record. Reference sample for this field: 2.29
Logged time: 12.37
